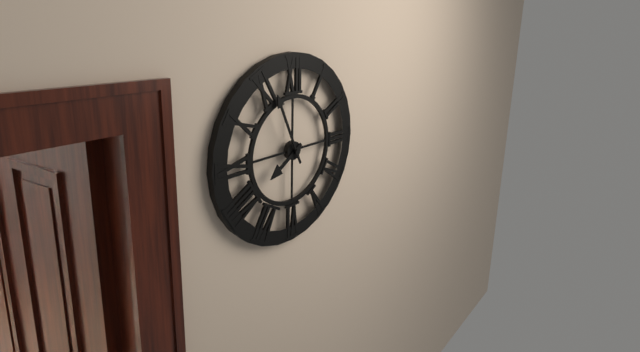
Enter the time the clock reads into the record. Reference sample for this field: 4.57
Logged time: 7.56
